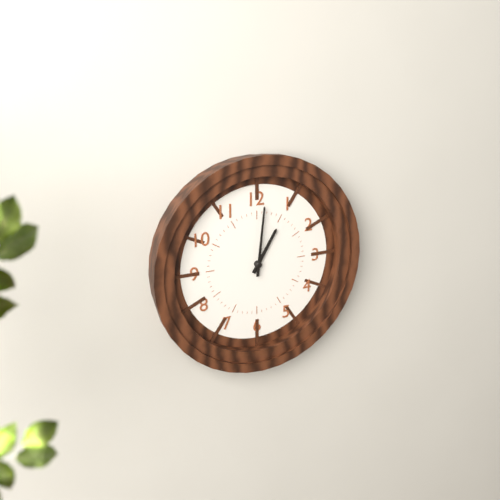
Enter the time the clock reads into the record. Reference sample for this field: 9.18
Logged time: 1.01
